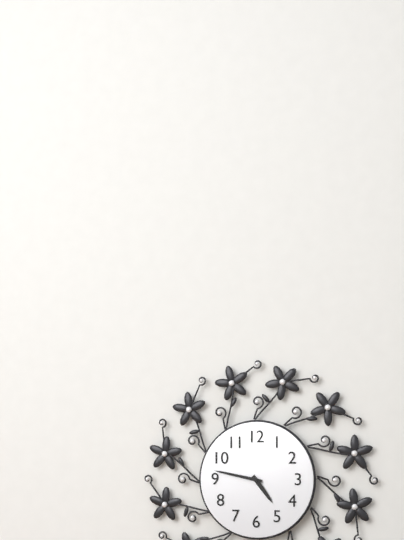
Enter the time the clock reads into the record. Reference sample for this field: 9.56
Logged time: 4.47
